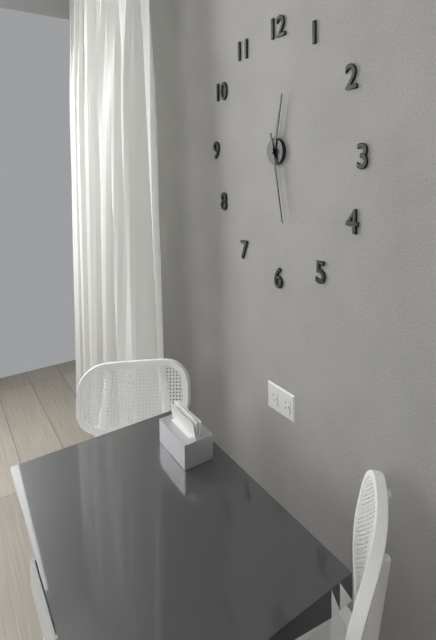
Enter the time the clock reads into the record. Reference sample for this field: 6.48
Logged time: 12.28
